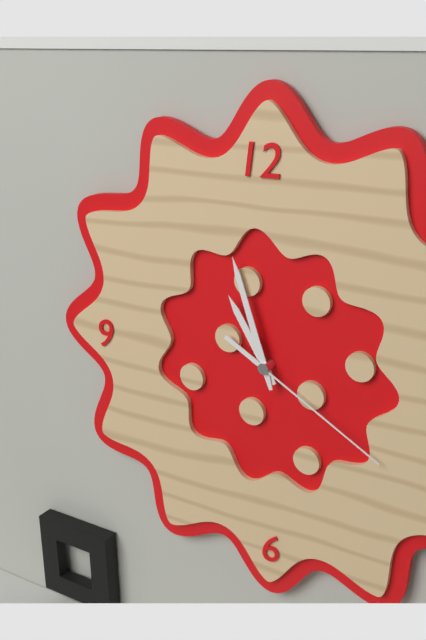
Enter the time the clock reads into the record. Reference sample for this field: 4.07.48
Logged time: 10.57.20
